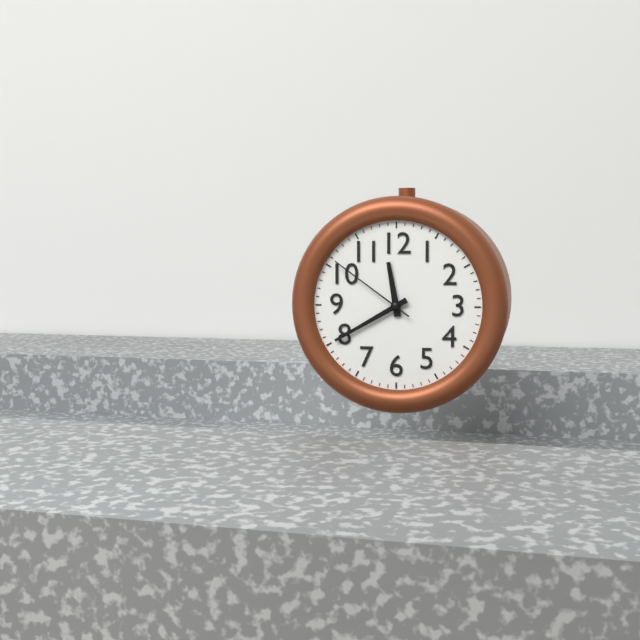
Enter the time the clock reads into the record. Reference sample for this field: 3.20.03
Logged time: 11.40.51
